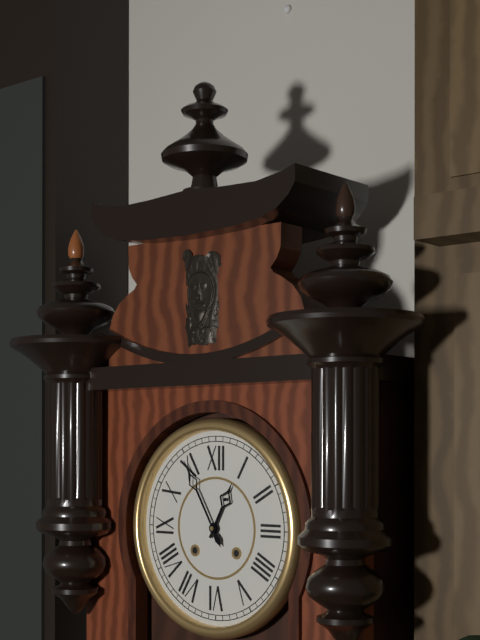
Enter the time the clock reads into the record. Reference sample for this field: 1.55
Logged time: 12.55
